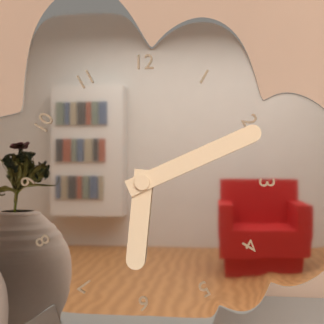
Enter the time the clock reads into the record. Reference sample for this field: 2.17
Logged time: 6.11
